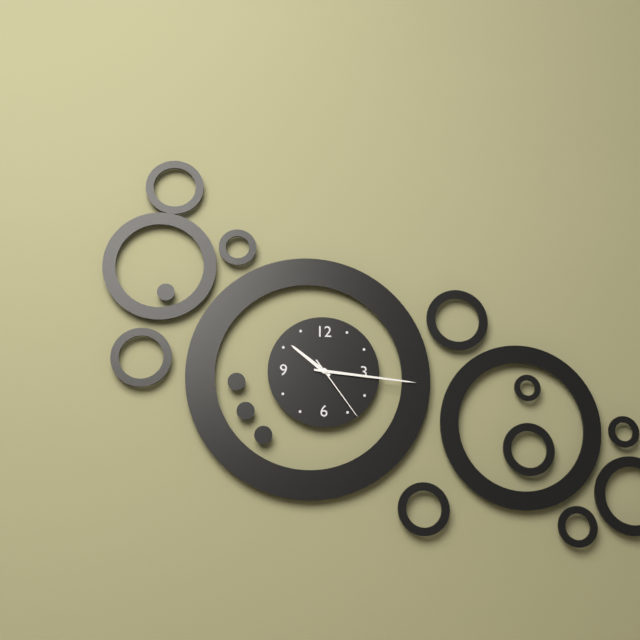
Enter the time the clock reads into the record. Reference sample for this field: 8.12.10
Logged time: 10.16.24
